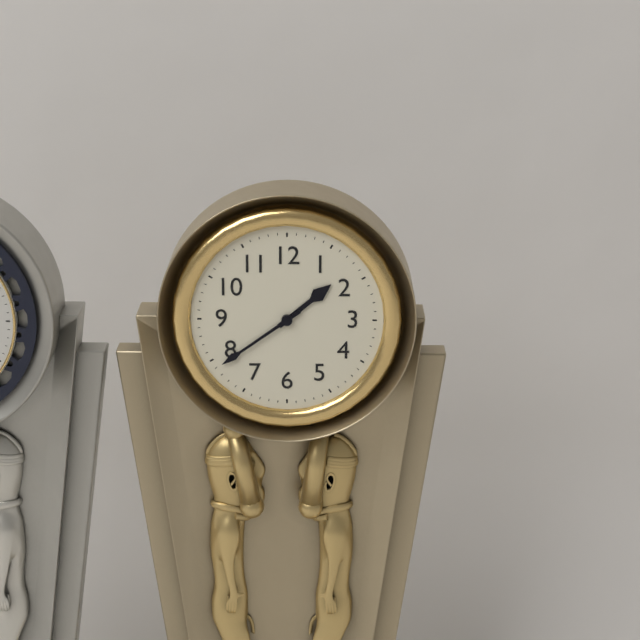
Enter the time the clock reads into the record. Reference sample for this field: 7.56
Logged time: 1.39
